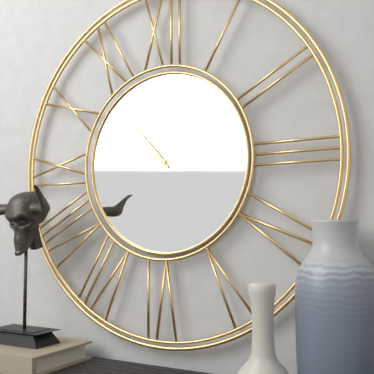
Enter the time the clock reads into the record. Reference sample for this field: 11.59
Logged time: 9.53
